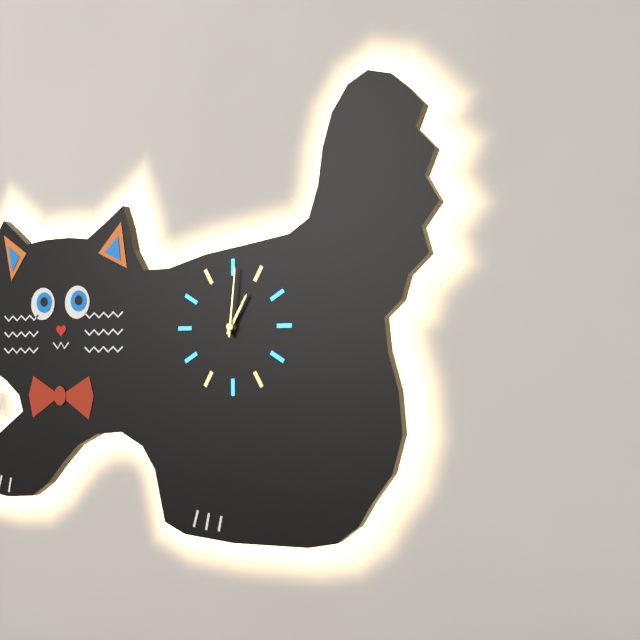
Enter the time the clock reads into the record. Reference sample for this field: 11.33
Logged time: 1.01
